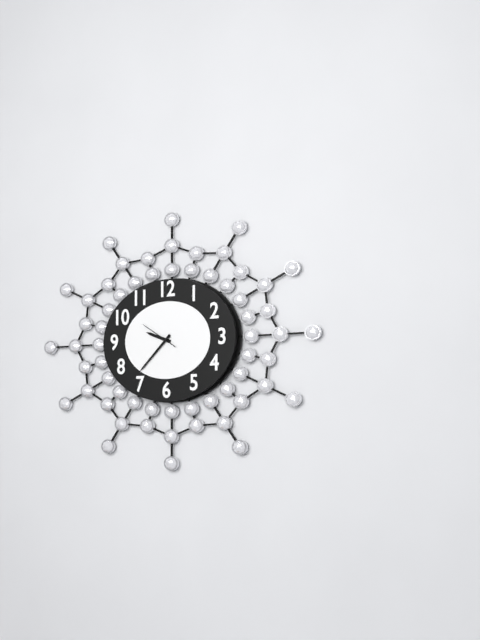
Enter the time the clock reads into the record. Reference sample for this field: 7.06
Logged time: 9.38
